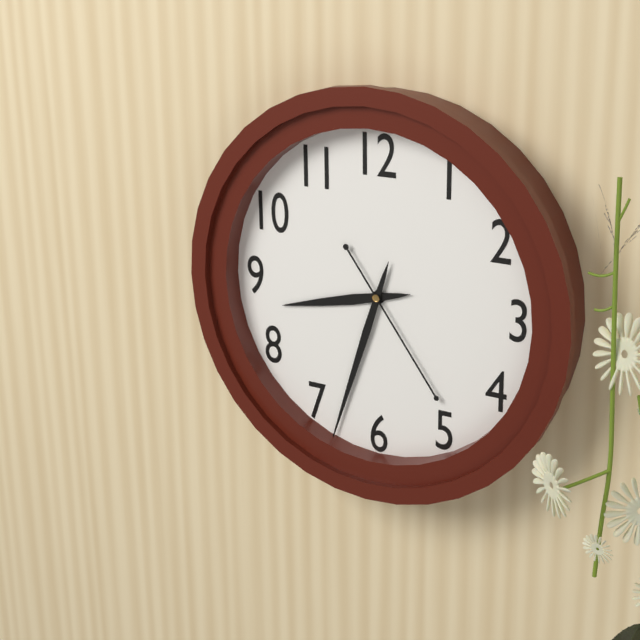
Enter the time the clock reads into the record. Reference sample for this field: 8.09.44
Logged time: 8.33.24
